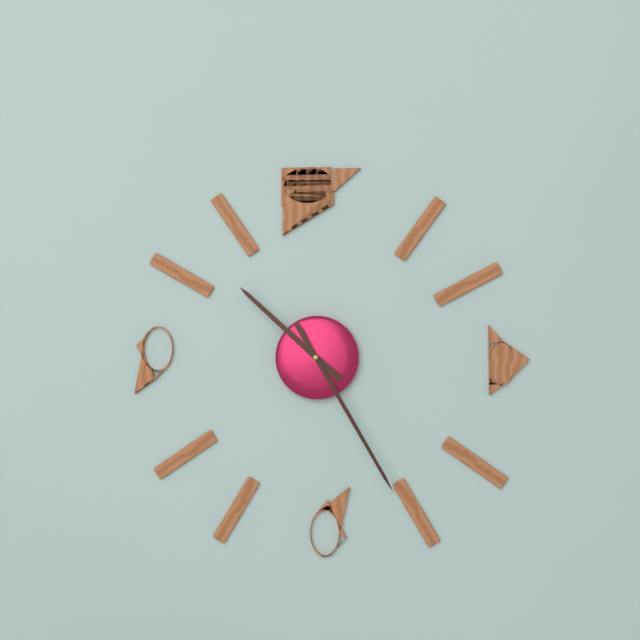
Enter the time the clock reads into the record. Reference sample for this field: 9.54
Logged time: 10.25
